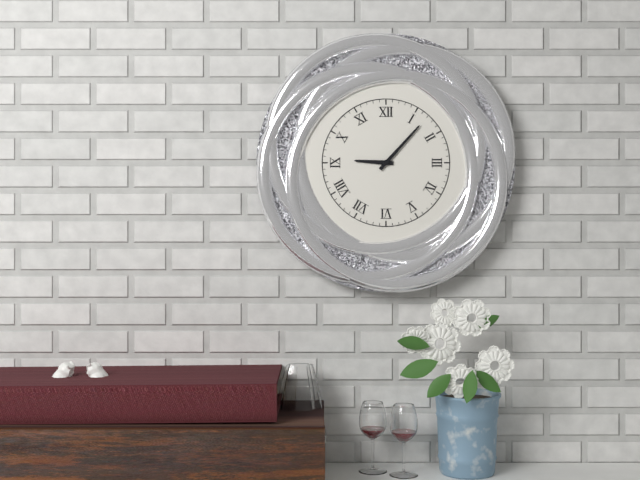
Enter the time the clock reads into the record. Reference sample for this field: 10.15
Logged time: 9.07
